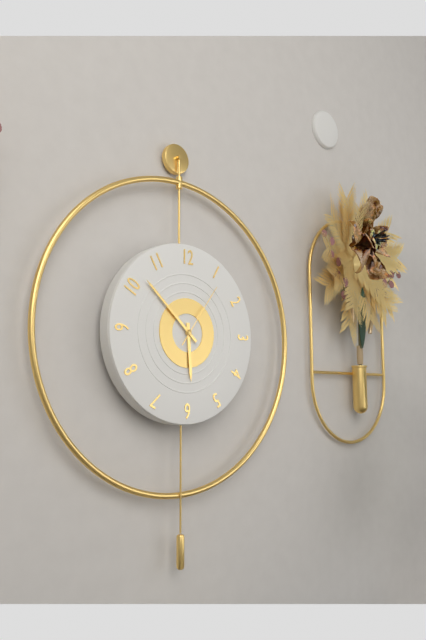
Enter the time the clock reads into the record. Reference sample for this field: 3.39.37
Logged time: 5.52.06
